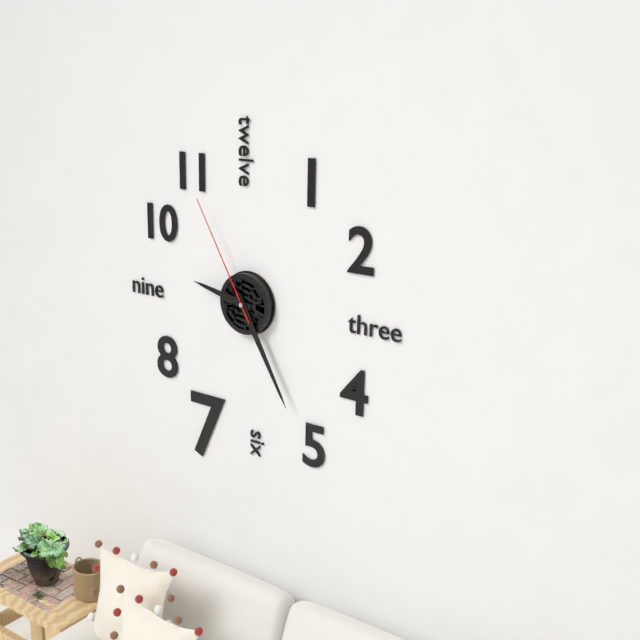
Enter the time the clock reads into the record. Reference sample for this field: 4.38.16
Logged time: 9.25.55
